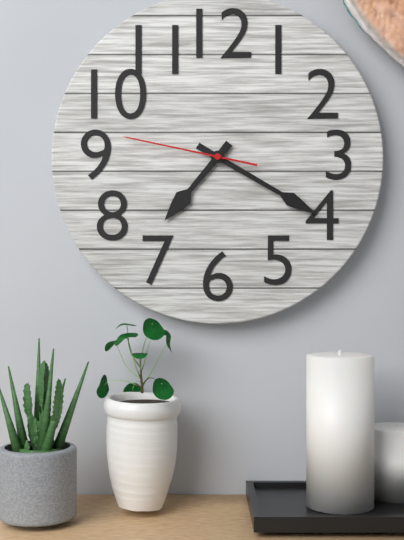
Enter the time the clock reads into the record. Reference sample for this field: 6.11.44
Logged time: 7.20.47
